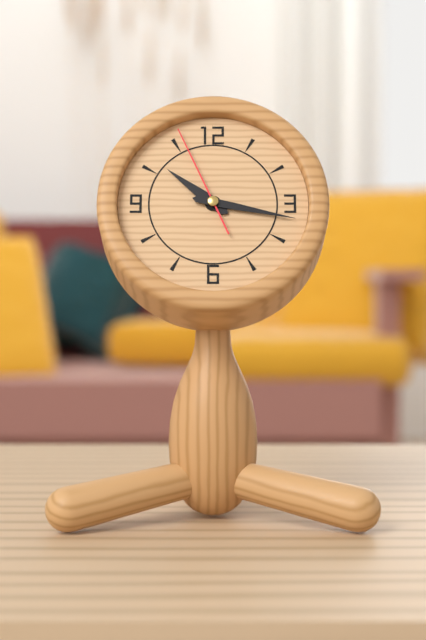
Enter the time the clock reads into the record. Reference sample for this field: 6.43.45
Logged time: 10.17.56
